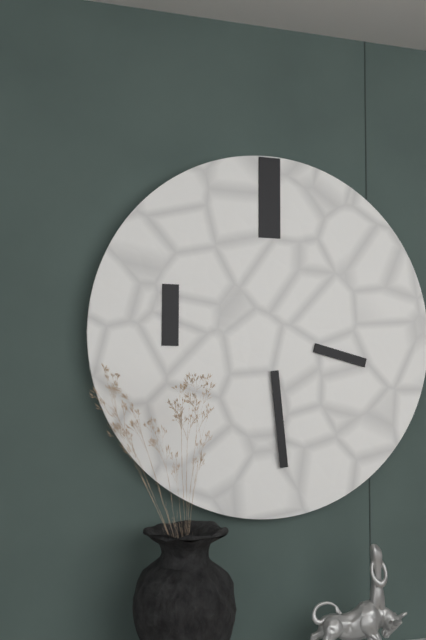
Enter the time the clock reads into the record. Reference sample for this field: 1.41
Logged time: 3.29
